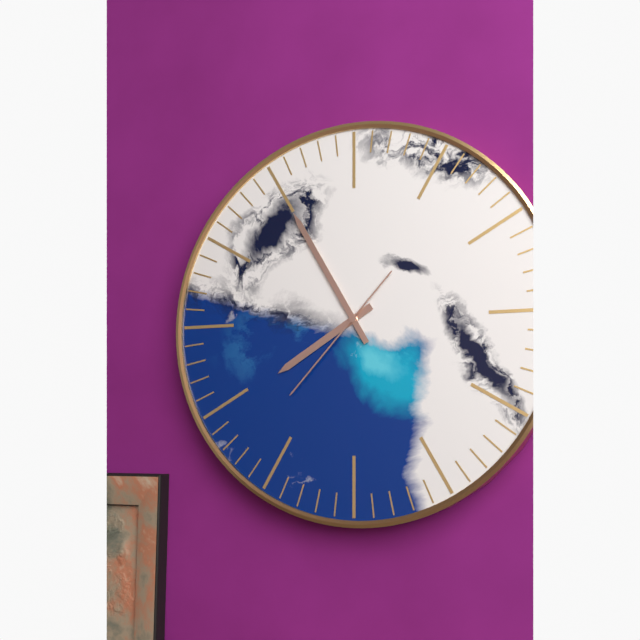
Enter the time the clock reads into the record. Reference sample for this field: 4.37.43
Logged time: 7.55.37
